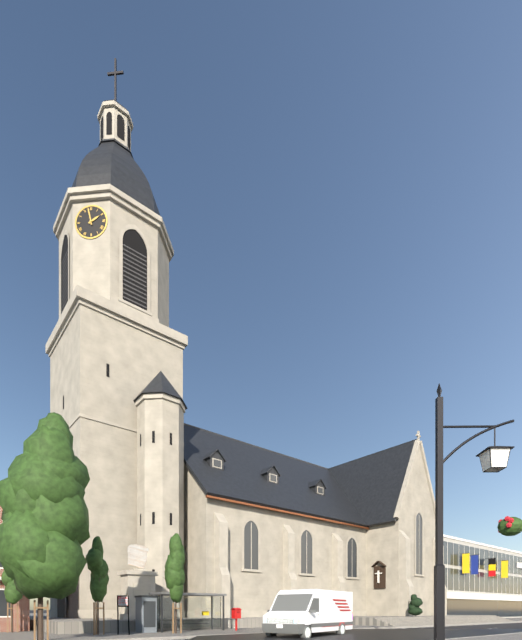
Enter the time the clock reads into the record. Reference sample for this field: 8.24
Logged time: 1.58
